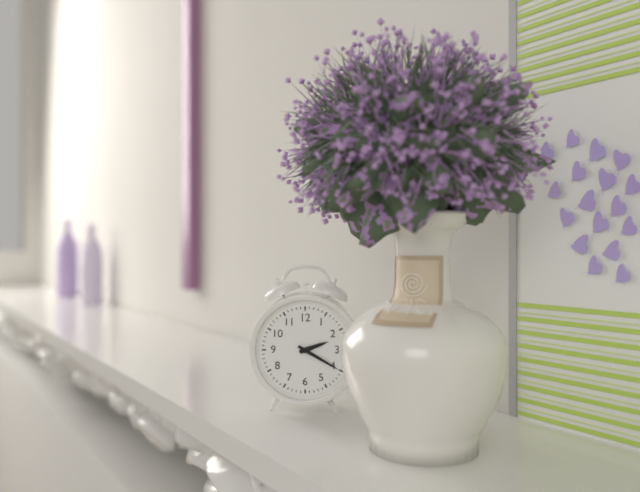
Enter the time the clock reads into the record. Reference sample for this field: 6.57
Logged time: 2.20
